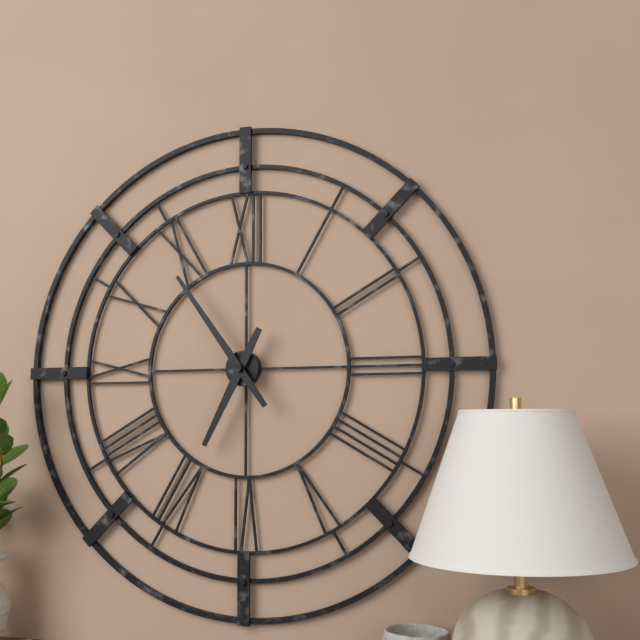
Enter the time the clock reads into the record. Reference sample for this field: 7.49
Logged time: 6.54
